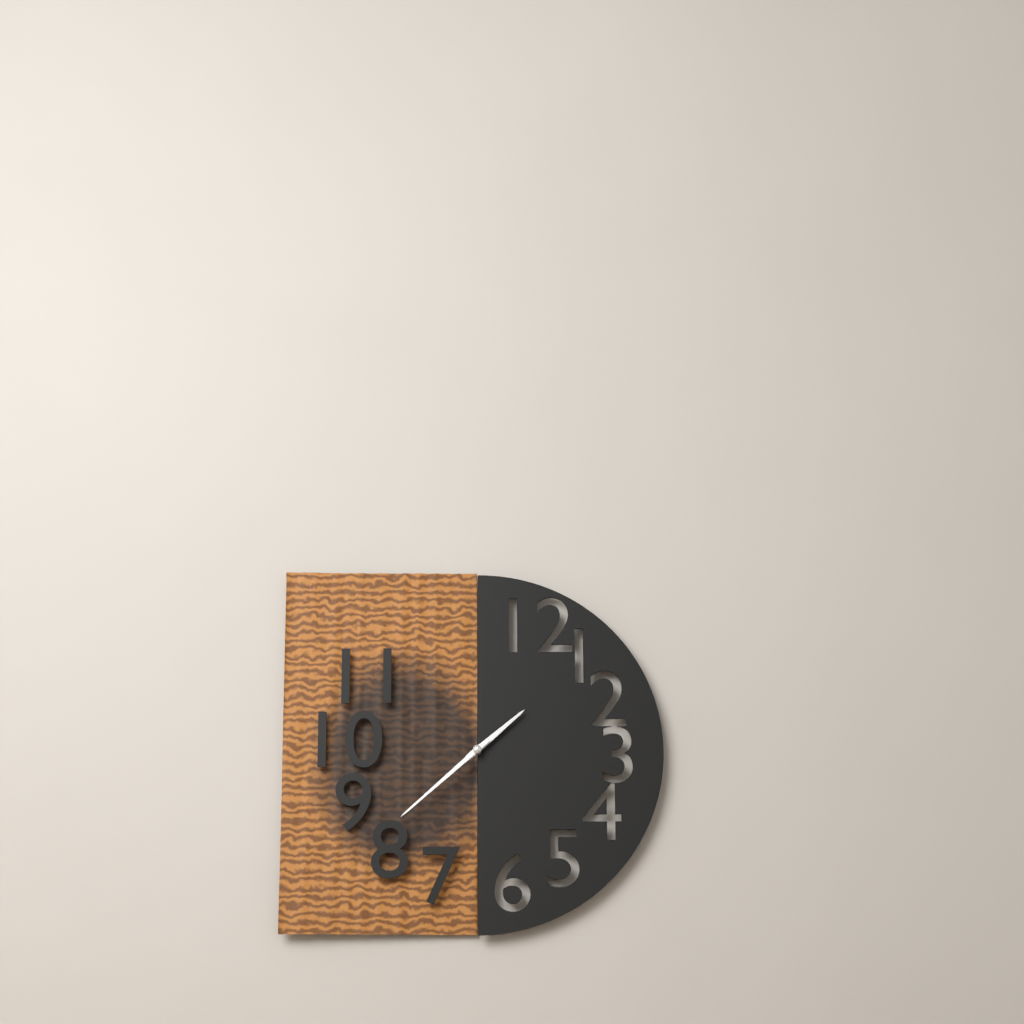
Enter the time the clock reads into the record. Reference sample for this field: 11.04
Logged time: 1.38
